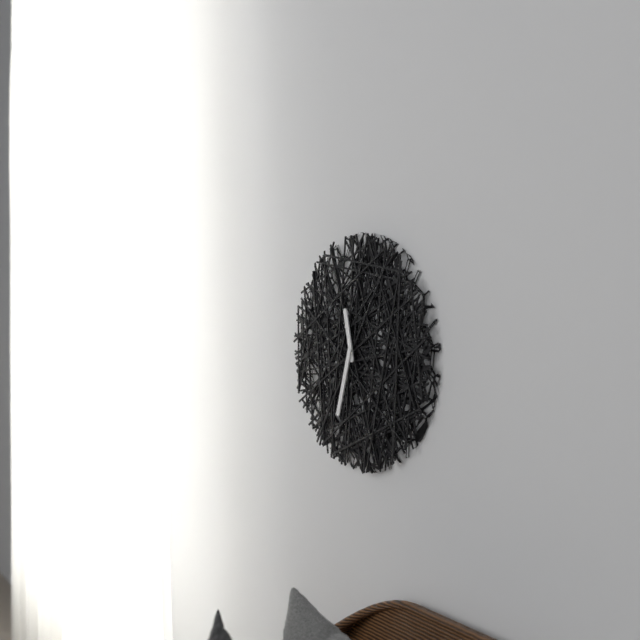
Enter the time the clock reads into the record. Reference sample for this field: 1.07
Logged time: 11.33
